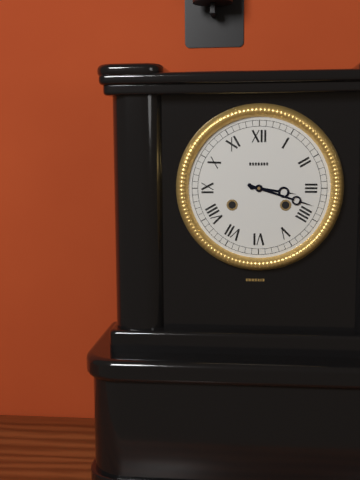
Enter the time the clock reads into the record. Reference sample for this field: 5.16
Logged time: 3.18
